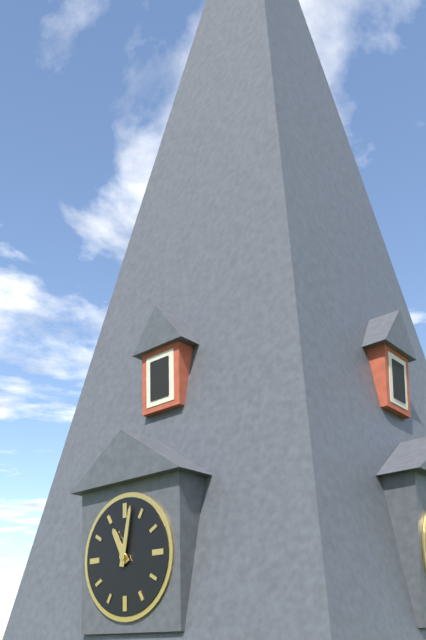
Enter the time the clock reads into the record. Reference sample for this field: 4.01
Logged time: 11.02
